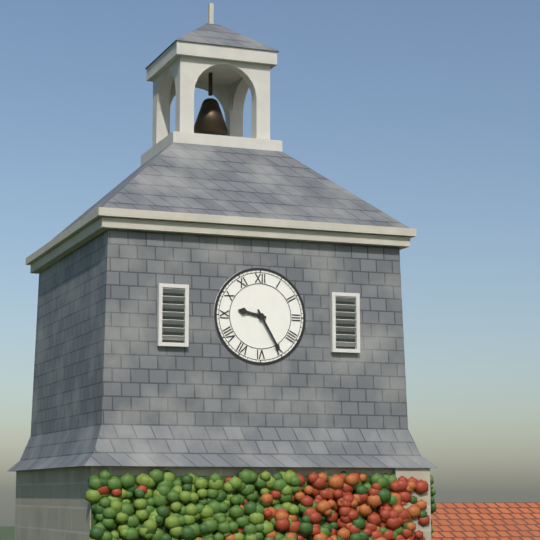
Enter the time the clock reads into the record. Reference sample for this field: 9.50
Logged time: 9.25
